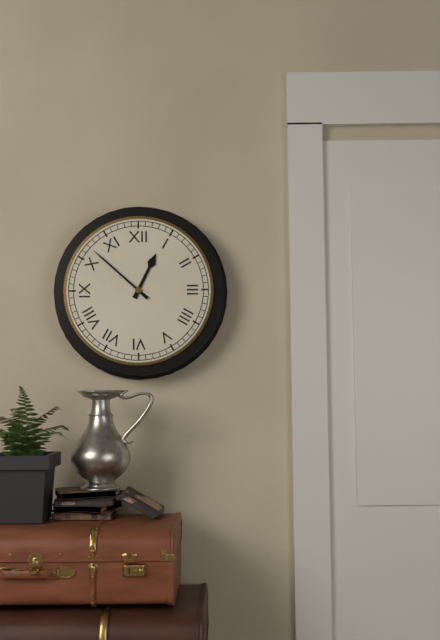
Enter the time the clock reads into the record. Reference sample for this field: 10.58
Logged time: 12.52
